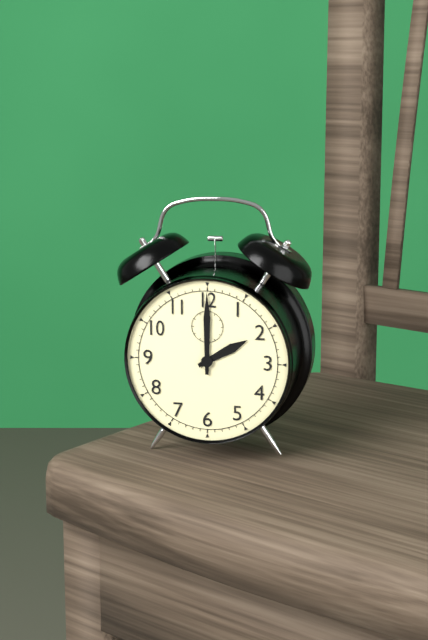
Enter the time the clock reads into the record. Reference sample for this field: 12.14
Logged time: 2.00
